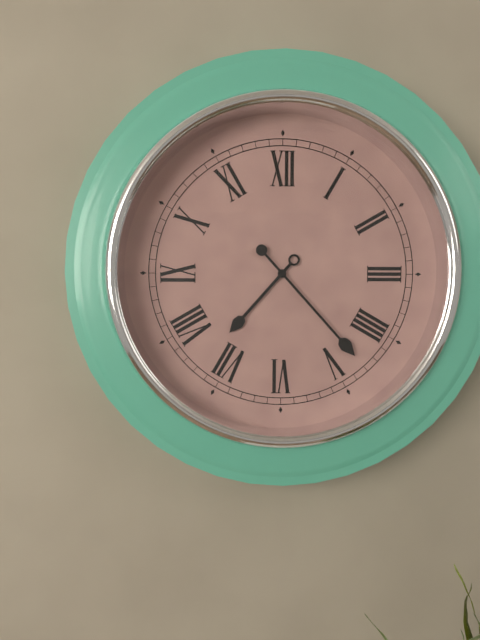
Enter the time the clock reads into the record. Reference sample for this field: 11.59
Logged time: 7.23
